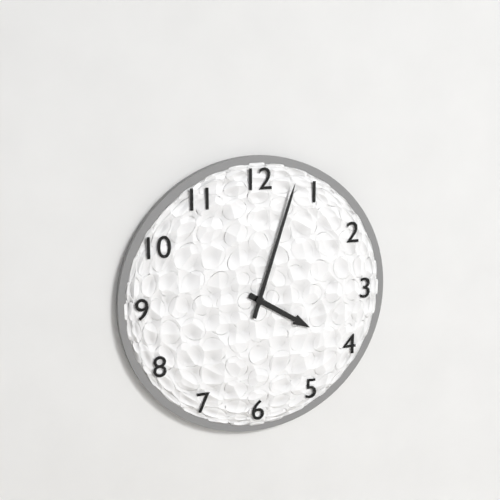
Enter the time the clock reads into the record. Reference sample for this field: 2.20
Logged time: 4.03
